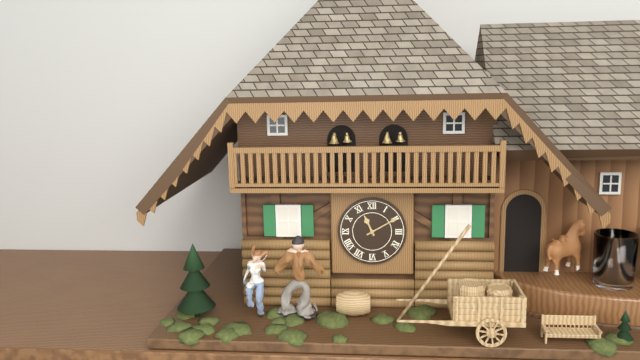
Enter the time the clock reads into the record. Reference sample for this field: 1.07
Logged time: 11.10
